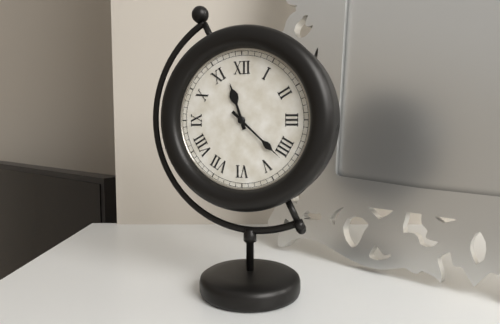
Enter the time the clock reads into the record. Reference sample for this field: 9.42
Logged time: 11.22
